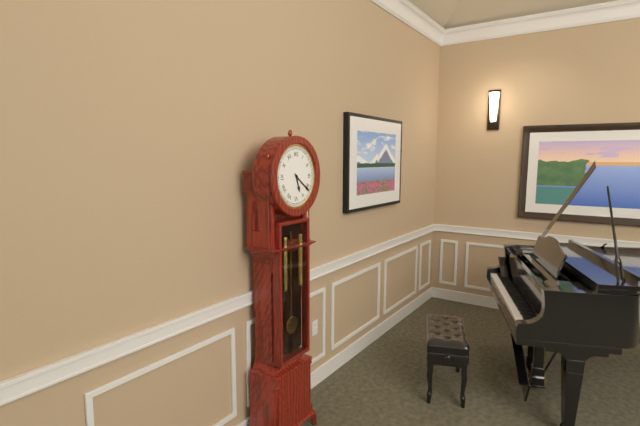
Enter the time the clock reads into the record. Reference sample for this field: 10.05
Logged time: 5.21
